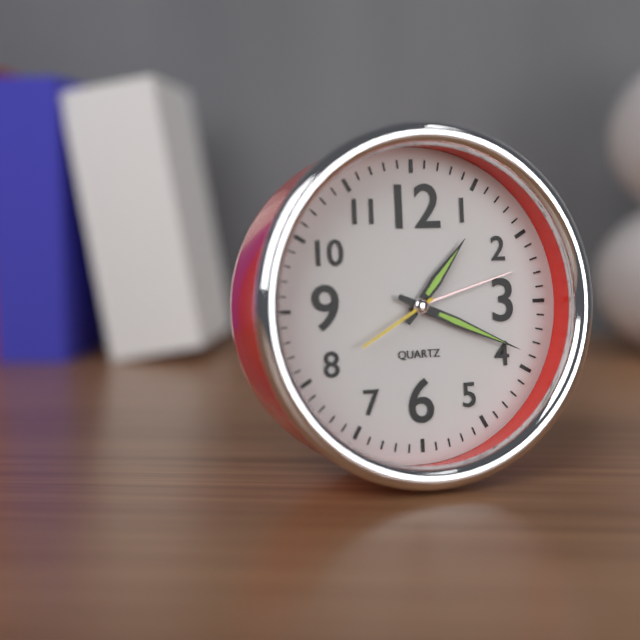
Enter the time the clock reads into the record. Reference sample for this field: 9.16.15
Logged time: 1.19.40
